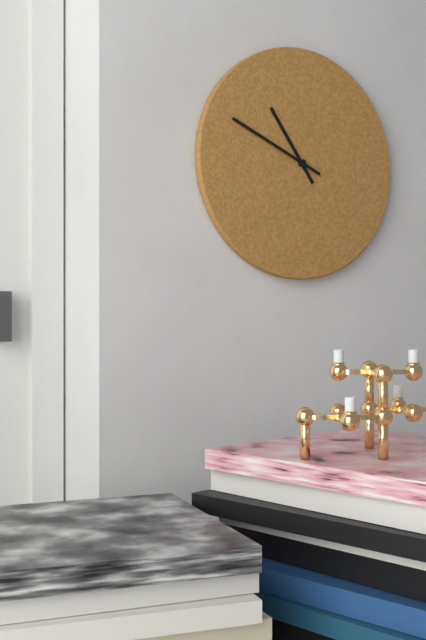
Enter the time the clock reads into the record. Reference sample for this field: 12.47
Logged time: 10.49
